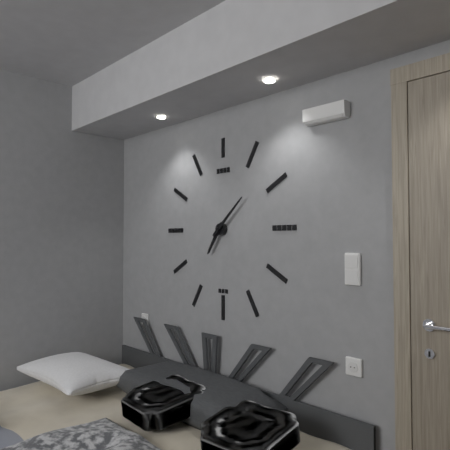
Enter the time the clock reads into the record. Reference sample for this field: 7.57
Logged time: 7.08
